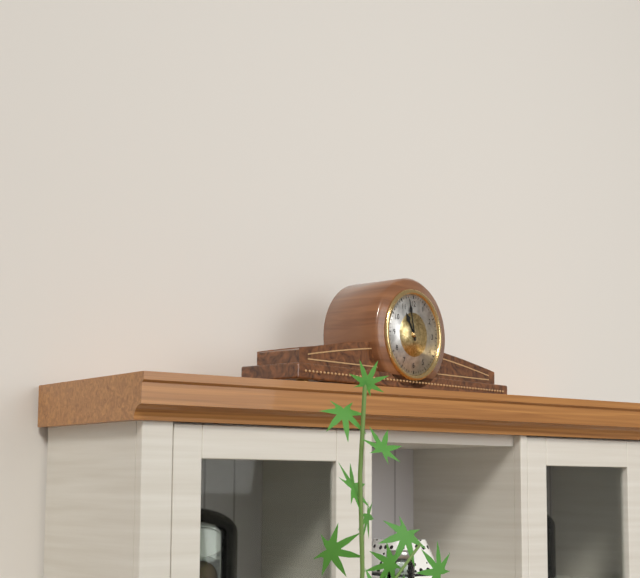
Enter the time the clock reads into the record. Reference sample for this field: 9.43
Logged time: 10.58
